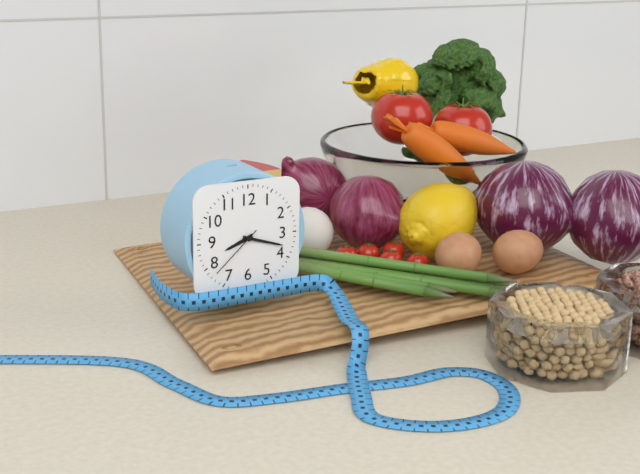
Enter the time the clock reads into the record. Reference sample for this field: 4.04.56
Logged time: 8.18.38
